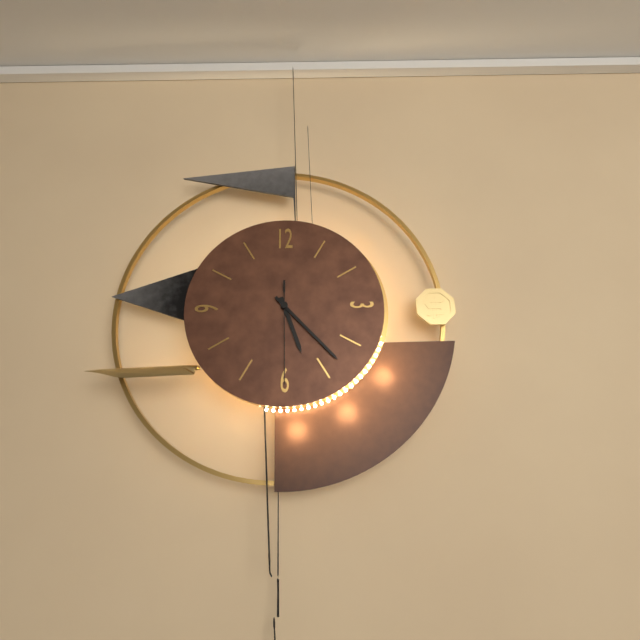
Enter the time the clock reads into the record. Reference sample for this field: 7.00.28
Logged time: 5.23.30
